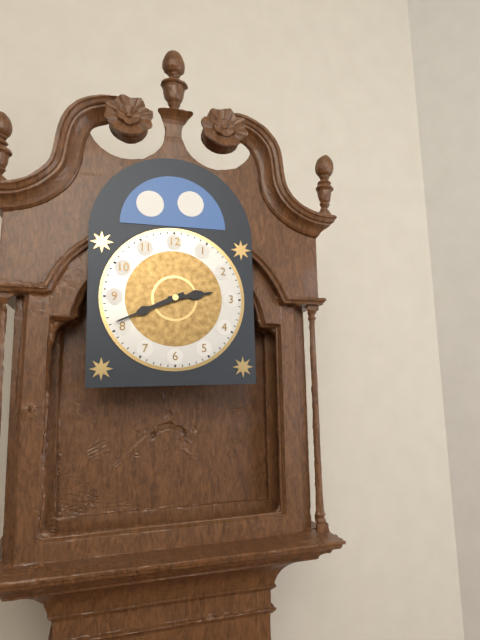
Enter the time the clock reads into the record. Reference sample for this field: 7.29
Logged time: 2.41
